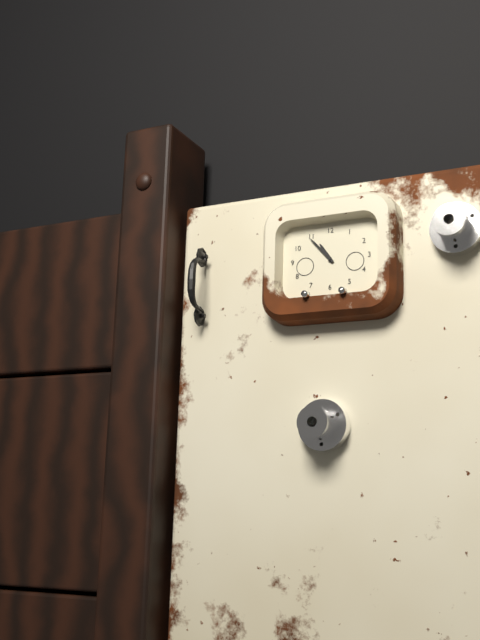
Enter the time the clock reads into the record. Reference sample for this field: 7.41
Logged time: 10.53
